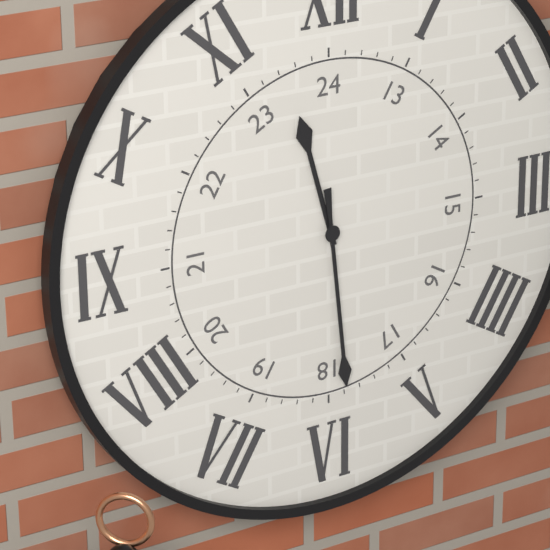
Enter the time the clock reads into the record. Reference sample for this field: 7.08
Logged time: 11.29
